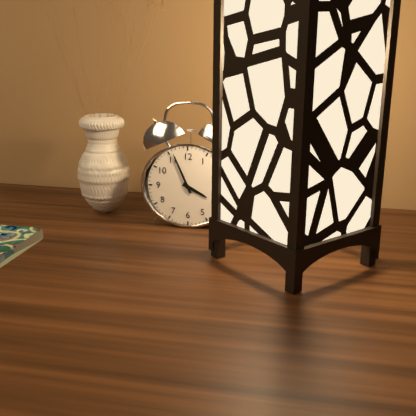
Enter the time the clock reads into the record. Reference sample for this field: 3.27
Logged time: 3.56
